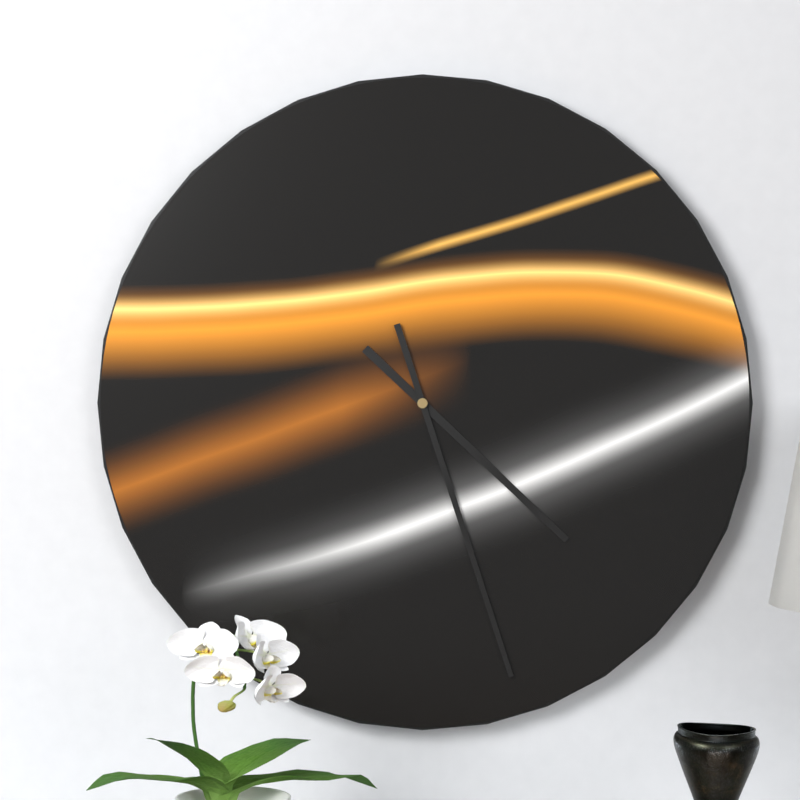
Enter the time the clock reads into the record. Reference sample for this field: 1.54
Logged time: 4.27
